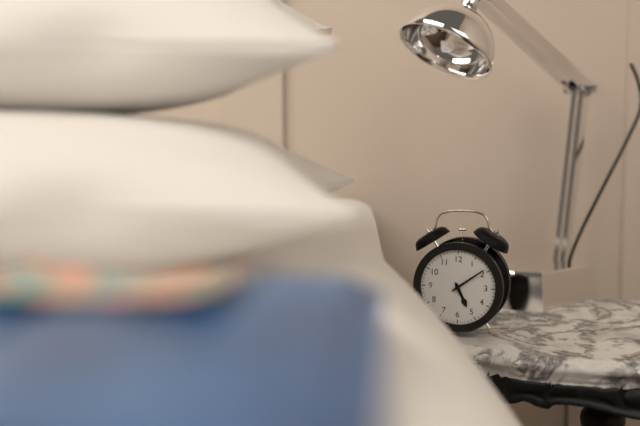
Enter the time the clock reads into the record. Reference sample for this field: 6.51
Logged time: 5.09
